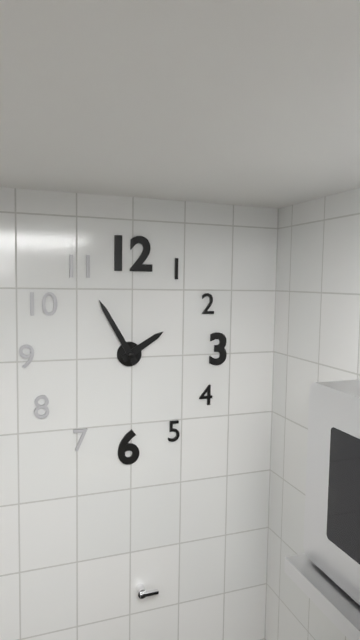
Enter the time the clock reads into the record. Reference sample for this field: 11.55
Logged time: 1.55
